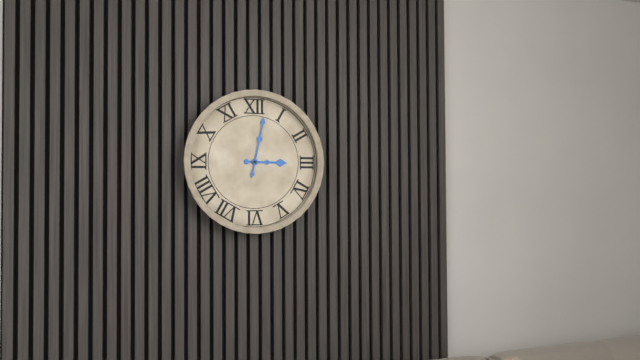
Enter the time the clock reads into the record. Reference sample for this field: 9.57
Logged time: 3.02
